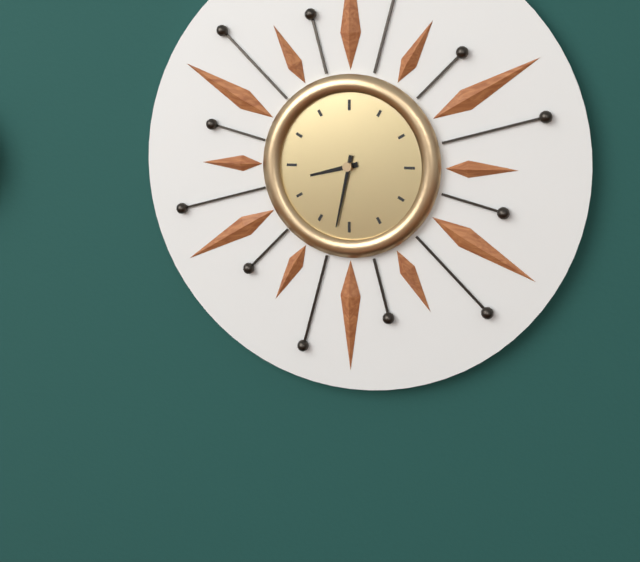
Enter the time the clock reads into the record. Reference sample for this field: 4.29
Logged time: 8.32
